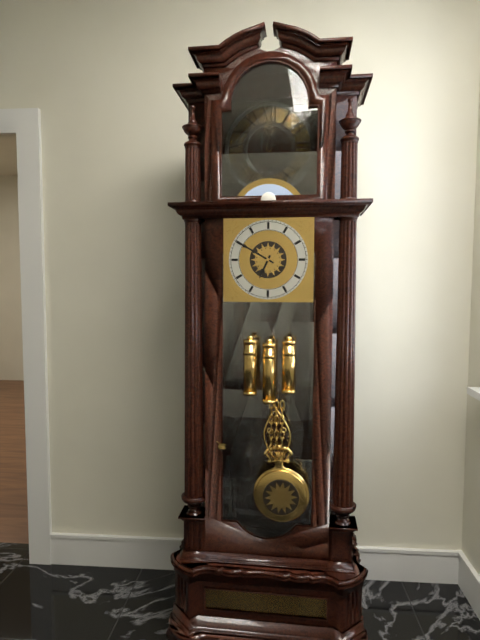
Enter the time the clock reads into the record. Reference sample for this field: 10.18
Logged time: 6.50
